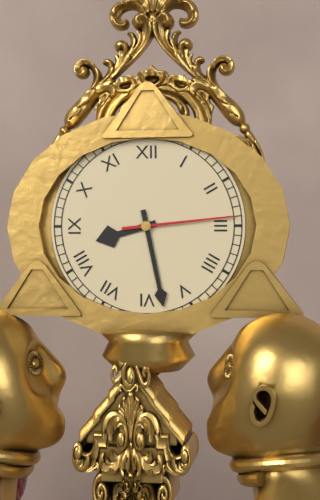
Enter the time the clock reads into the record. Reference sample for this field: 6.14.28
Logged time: 8.28.14
